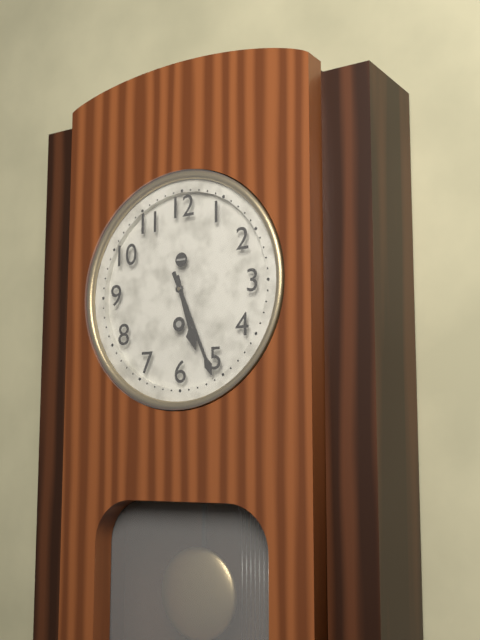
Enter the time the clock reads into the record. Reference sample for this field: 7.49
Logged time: 5.26
